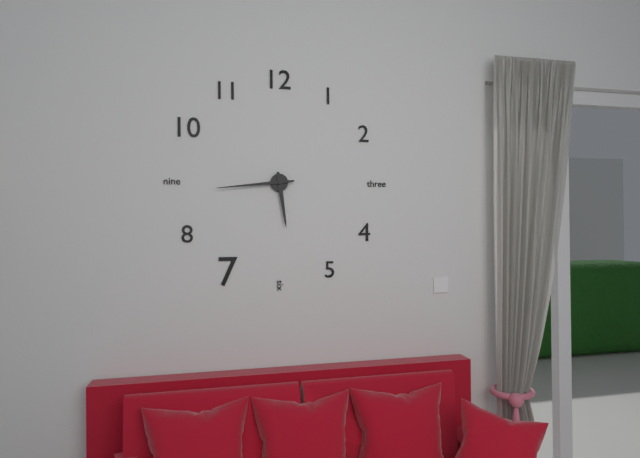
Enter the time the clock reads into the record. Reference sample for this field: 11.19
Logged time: 5.44
